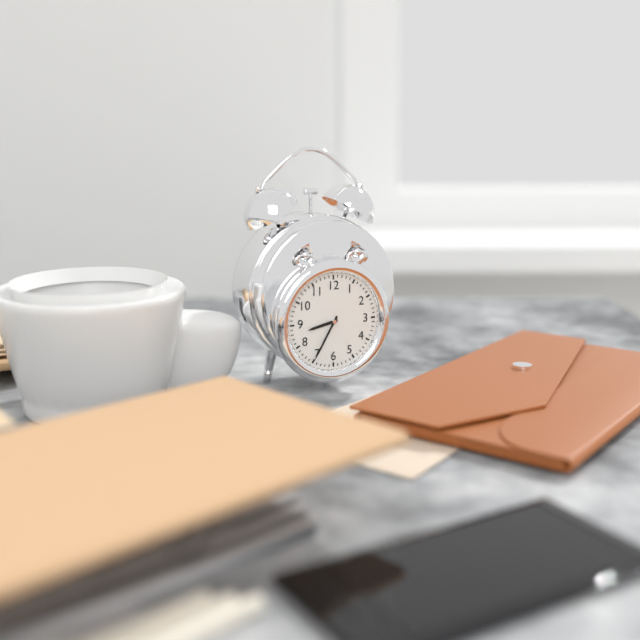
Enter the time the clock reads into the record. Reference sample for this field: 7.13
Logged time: 8.35
